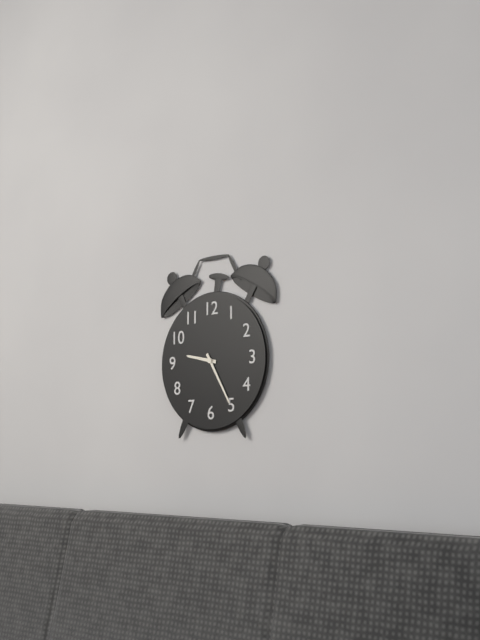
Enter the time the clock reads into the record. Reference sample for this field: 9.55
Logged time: 9.25
